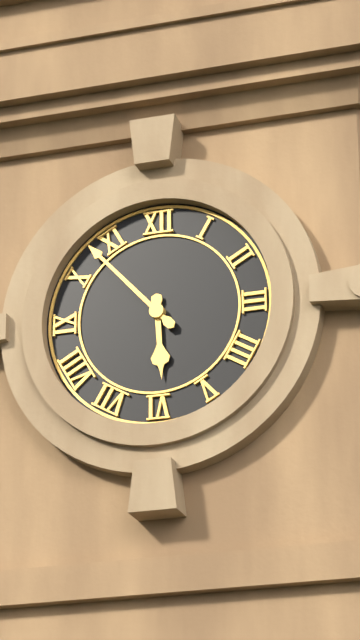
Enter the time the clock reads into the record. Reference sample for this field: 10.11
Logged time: 5.53
